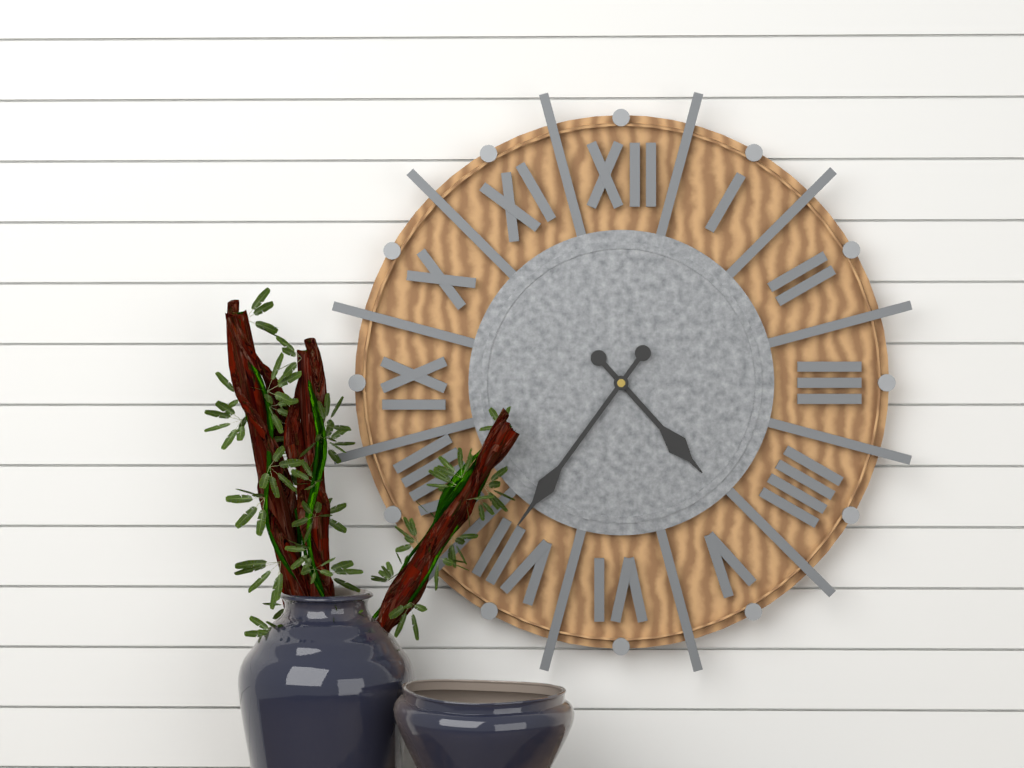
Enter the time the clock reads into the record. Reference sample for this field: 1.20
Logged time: 4.36
